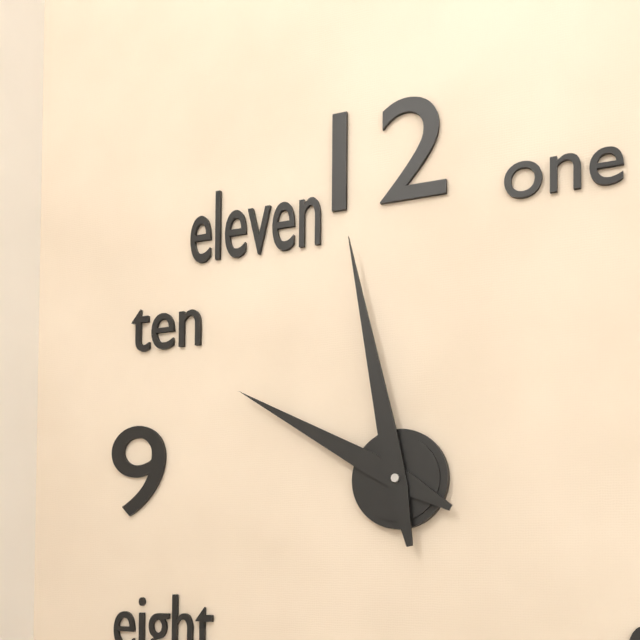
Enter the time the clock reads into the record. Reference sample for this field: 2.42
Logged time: 9.58
